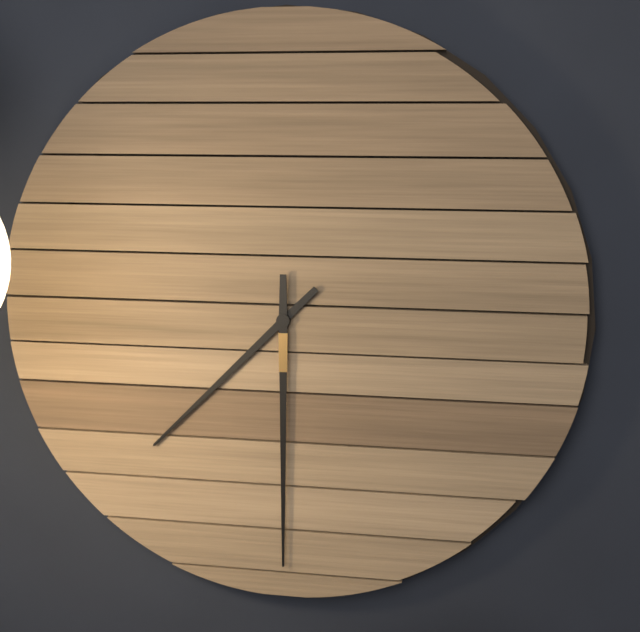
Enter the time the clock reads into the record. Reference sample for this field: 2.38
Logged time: 7.30
